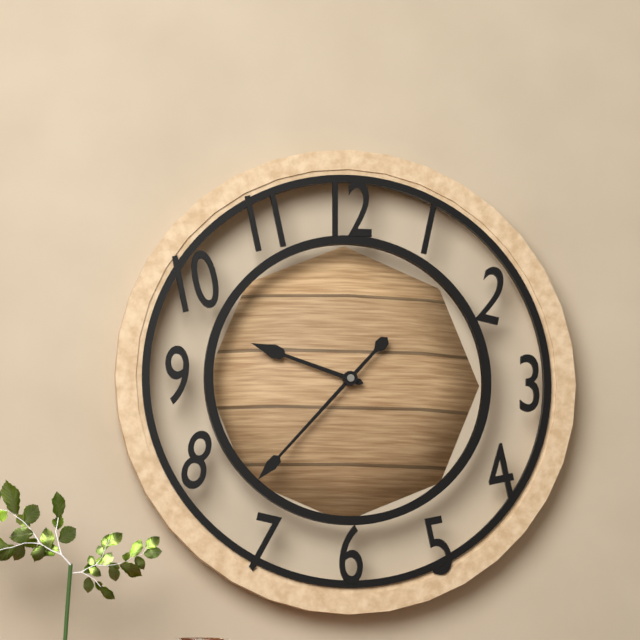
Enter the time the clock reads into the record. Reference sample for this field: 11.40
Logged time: 9.37
